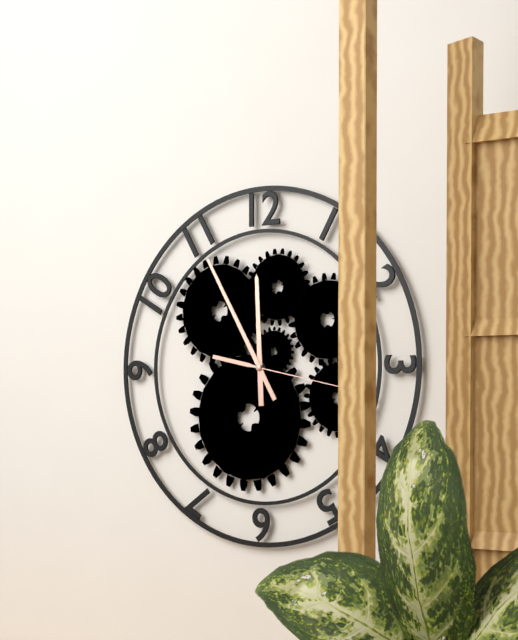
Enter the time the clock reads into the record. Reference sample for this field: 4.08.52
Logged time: 11.55.17
